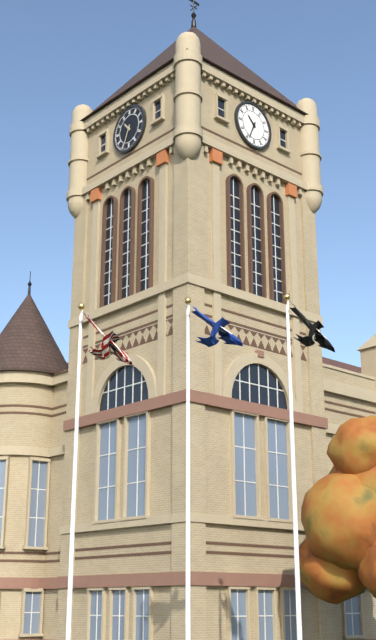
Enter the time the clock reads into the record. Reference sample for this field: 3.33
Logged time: 10.34
